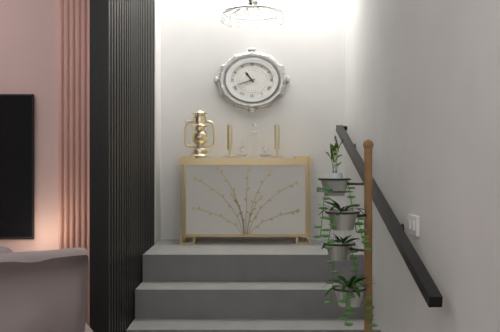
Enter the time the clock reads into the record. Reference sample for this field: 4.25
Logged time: 10.42
